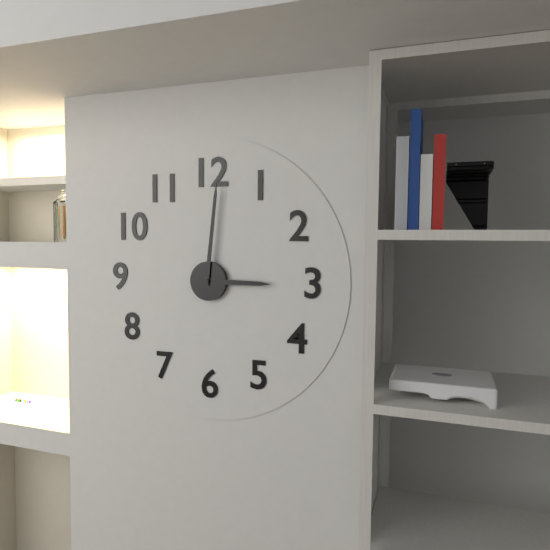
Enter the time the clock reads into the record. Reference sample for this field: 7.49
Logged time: 3.01
